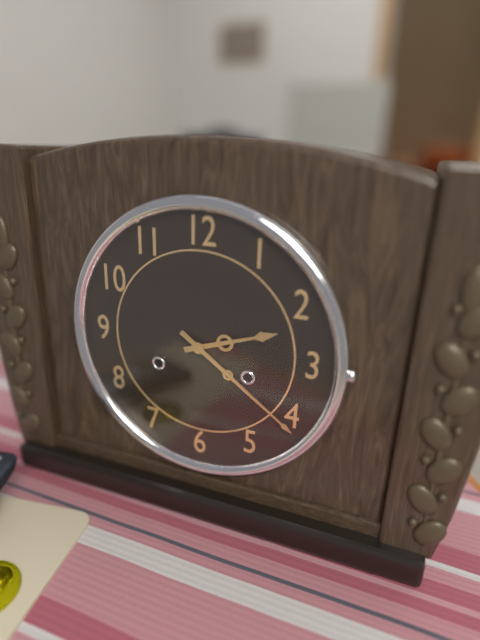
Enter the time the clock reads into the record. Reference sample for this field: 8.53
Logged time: 2.21
